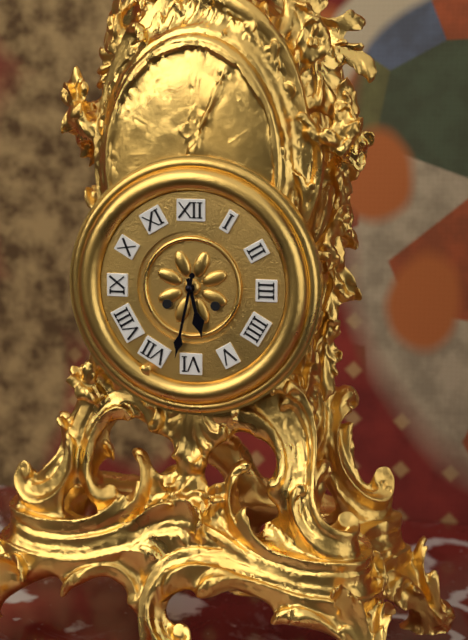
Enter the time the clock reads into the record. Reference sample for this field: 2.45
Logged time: 5.32
